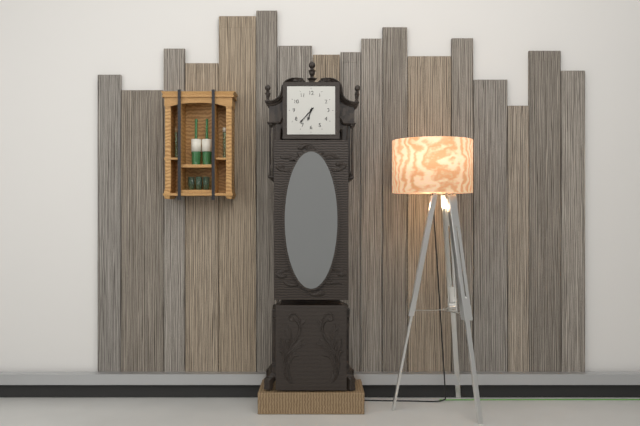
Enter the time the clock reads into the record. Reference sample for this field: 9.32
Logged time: 6.37
